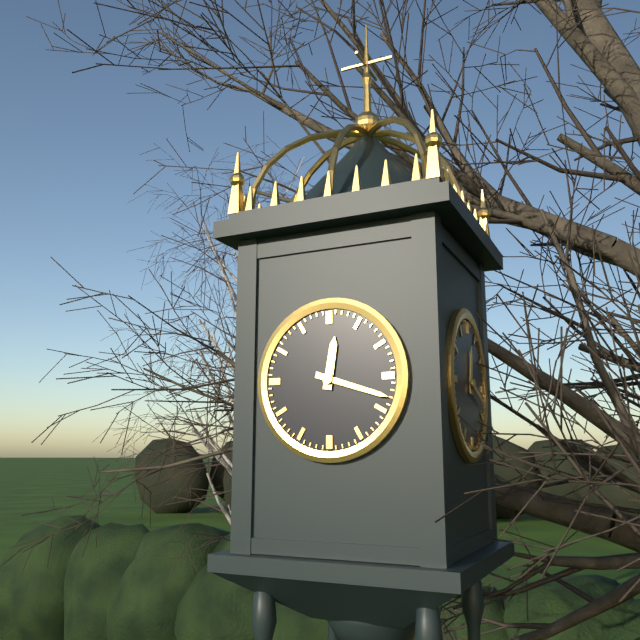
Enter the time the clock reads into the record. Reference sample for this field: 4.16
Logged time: 12.18
